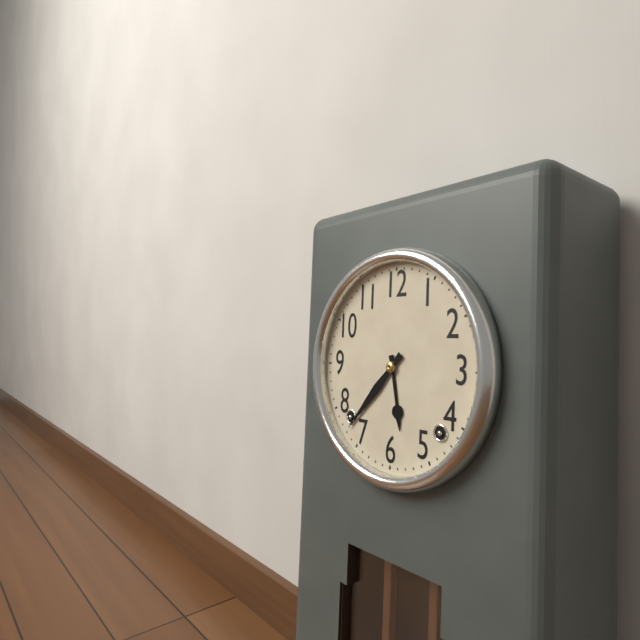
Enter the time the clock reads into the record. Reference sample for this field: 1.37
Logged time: 5.37
